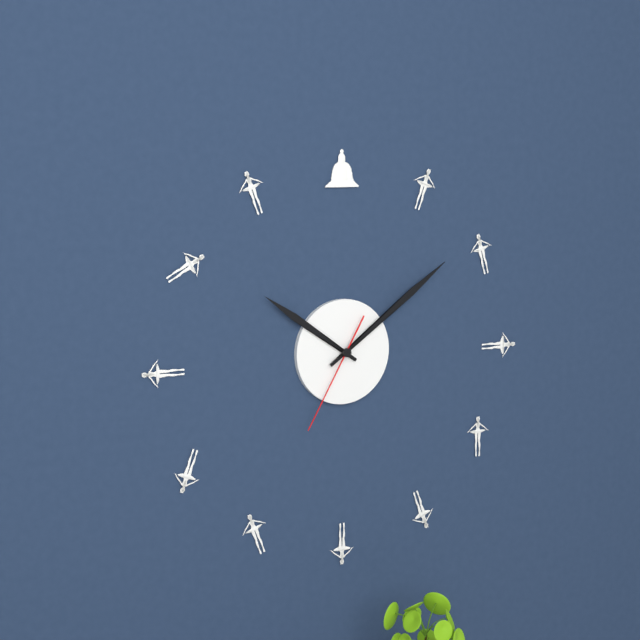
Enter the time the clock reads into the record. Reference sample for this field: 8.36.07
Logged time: 10.09.35
